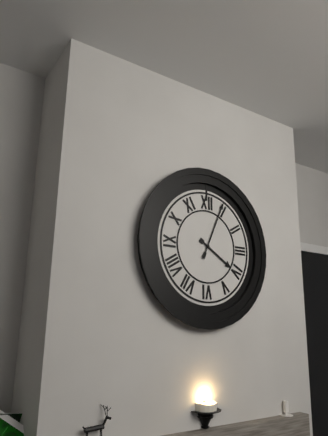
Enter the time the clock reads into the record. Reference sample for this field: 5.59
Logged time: 4.04
